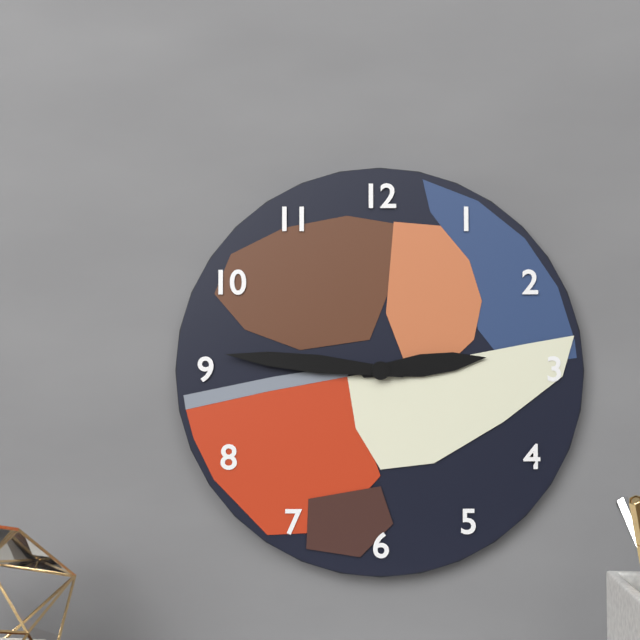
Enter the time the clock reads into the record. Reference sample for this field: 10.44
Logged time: 2.46
